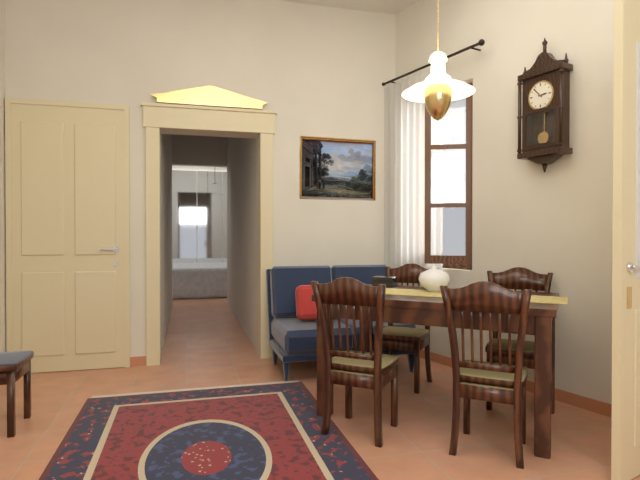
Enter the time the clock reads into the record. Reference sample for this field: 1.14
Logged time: 2.53
